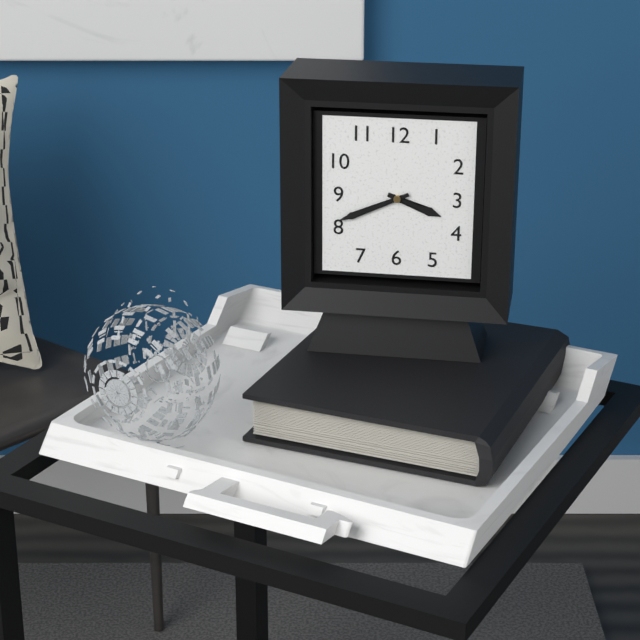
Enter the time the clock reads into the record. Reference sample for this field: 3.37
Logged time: 3.41
